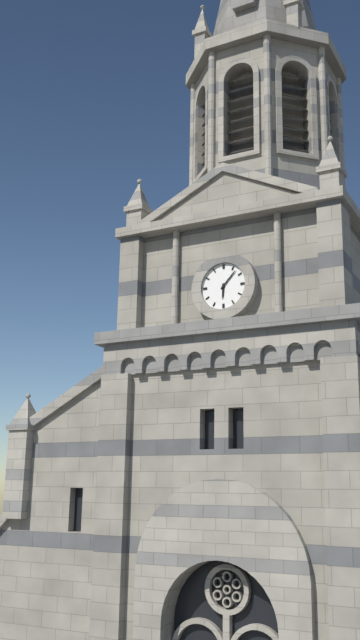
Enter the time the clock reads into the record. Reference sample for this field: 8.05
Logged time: 6.07
